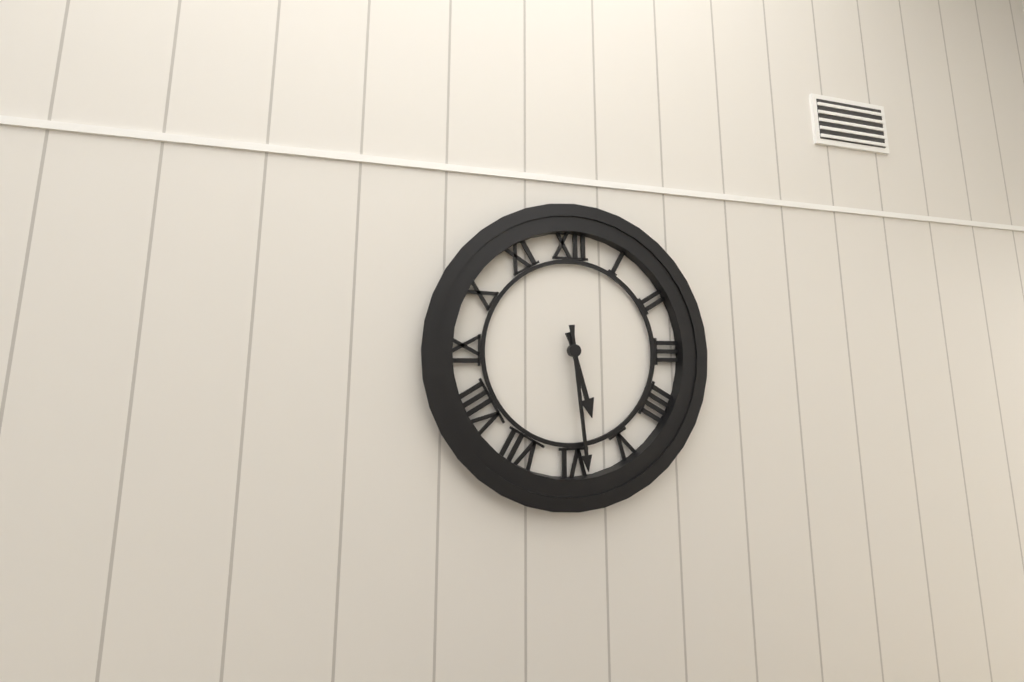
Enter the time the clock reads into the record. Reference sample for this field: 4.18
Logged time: 5.29
